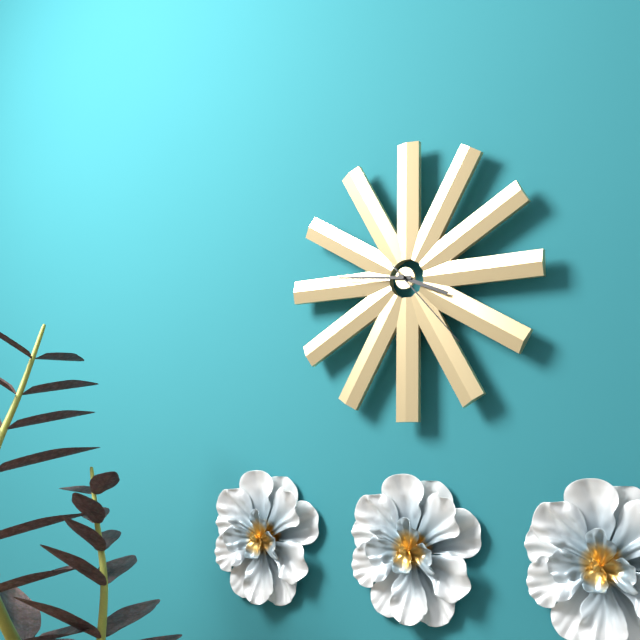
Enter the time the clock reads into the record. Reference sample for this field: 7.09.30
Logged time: 3.46.23
